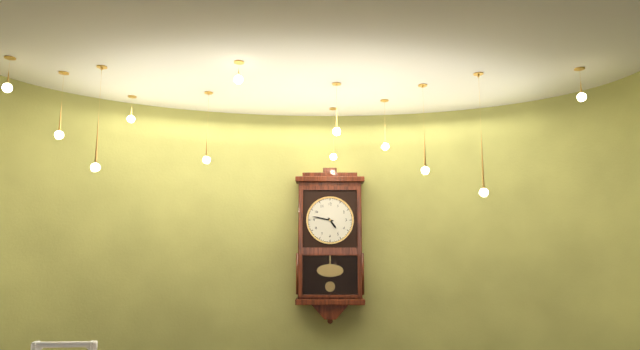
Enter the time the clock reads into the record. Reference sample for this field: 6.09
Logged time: 4.47
